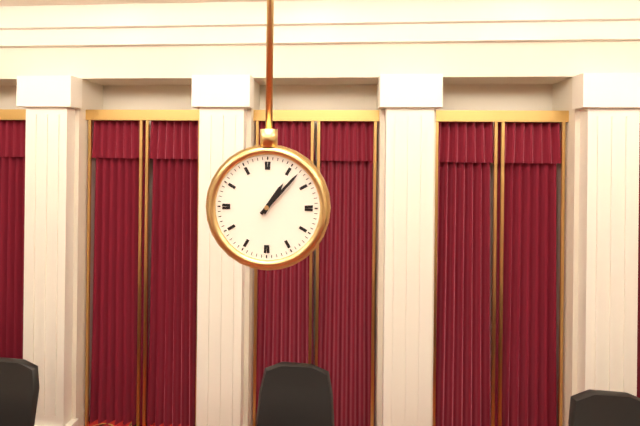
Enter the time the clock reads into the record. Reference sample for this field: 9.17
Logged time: 1.07
